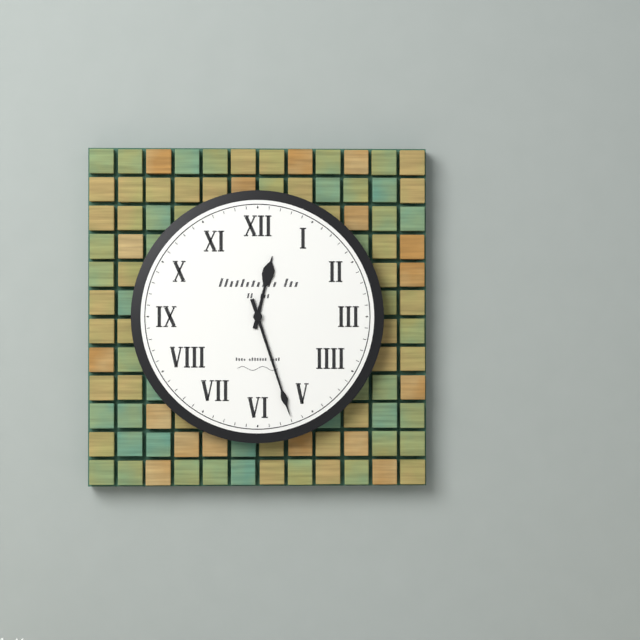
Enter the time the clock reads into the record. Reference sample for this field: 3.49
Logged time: 12.27
